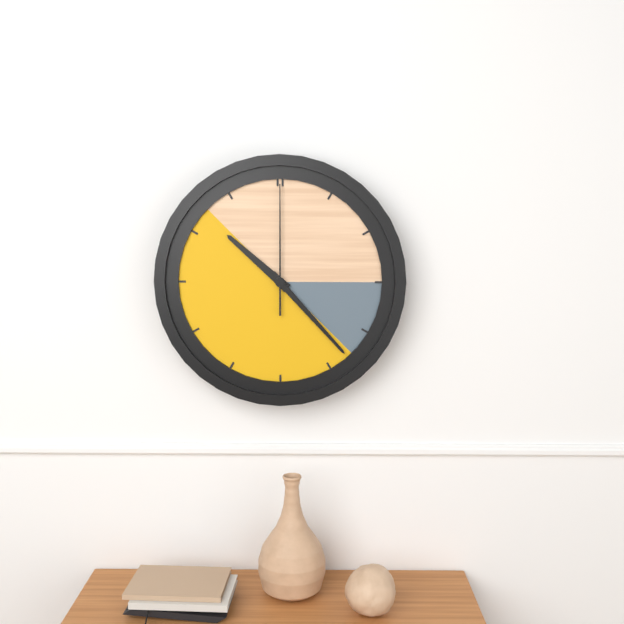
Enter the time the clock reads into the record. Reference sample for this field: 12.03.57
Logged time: 10.23.00
